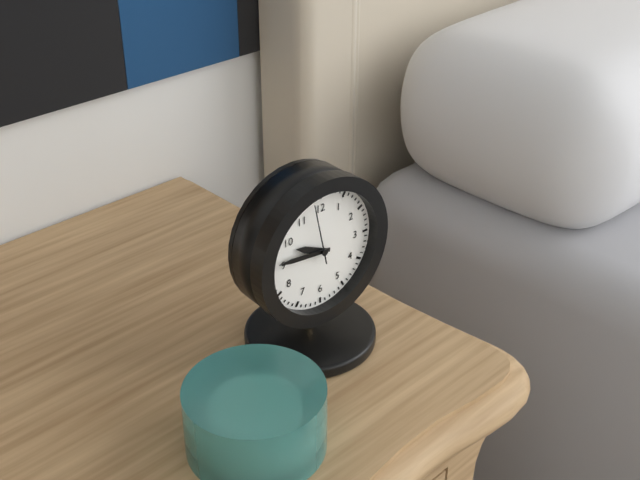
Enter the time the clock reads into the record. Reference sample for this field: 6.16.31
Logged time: 9.46.58
